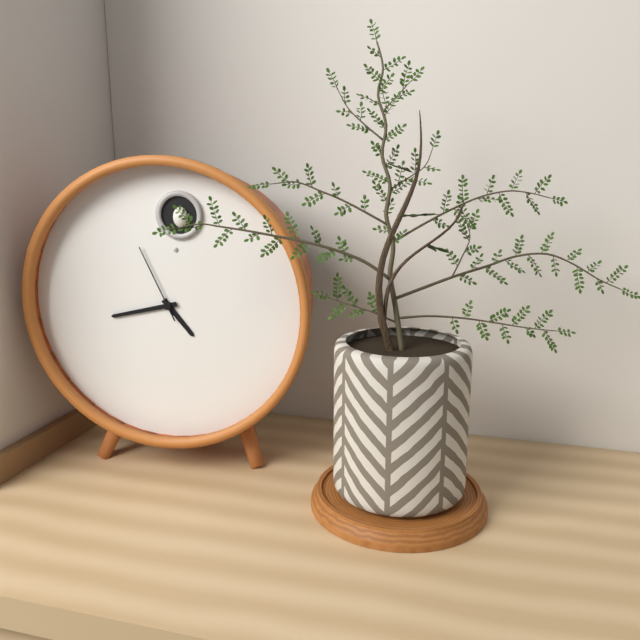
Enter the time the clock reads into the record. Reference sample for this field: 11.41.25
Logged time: 4.43.56
